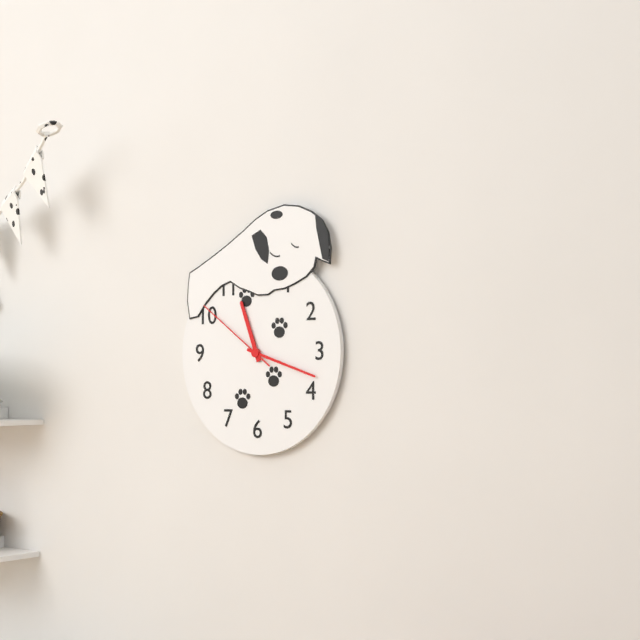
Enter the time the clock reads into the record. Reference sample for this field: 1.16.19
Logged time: 11.18.51
